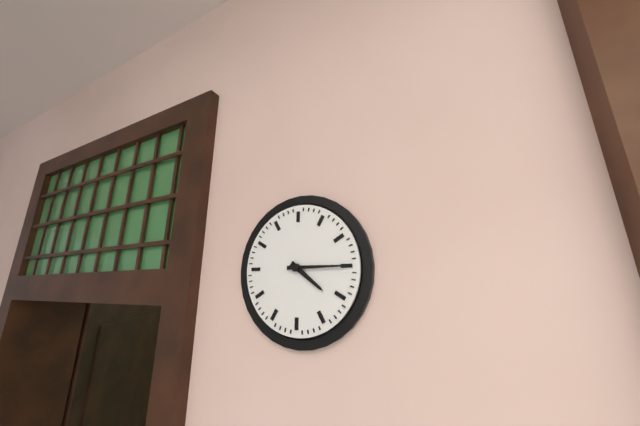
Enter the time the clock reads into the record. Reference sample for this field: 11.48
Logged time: 4.15
